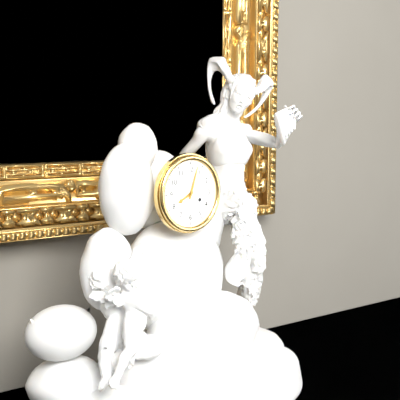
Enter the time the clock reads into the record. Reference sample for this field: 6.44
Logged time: 8.03
